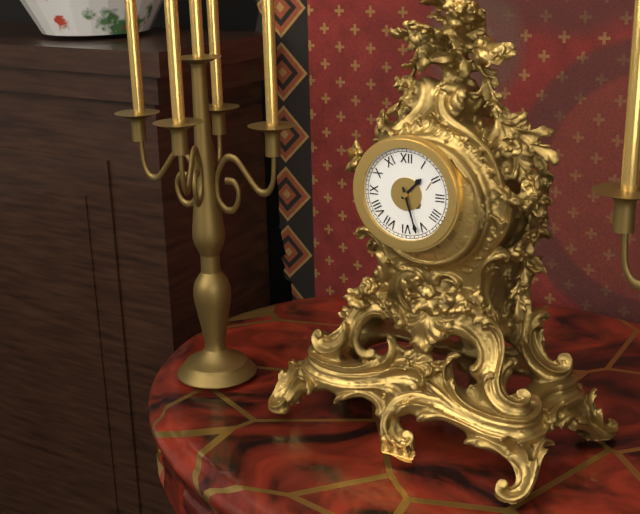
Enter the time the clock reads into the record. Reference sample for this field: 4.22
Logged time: 1.27
